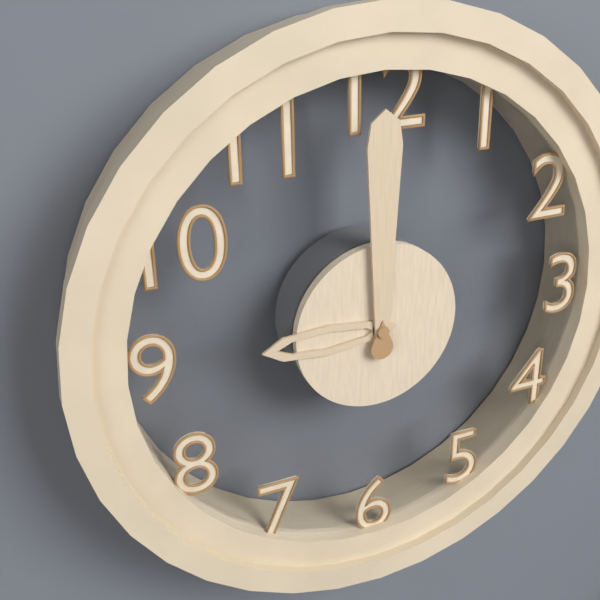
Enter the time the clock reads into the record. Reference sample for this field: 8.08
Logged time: 9.00
